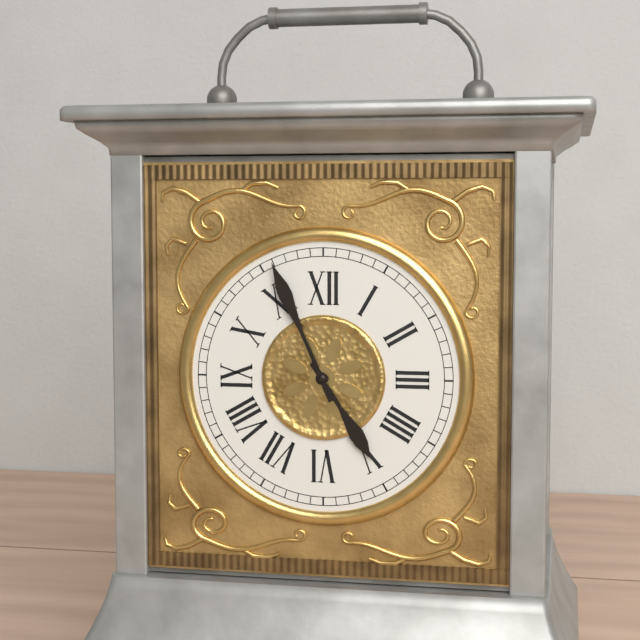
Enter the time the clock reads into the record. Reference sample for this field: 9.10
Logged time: 4.56
